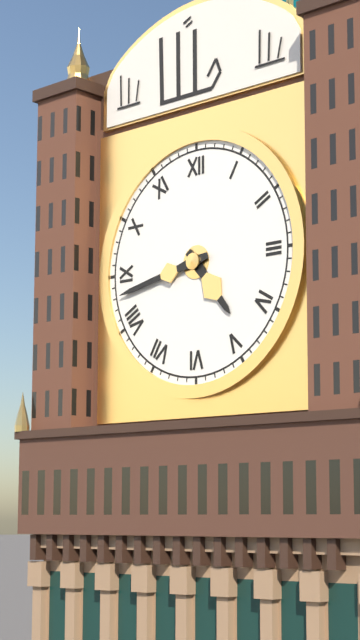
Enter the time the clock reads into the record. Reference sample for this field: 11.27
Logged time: 4.43
